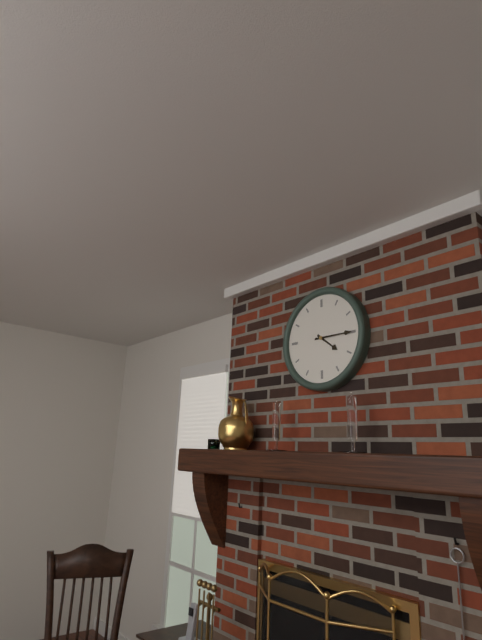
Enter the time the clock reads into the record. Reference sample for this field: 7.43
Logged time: 4.15
